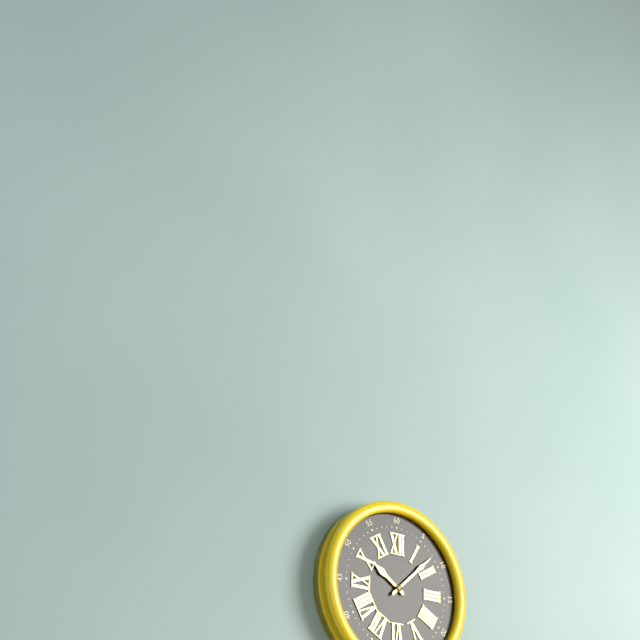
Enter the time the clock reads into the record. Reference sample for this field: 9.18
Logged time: 10.08
